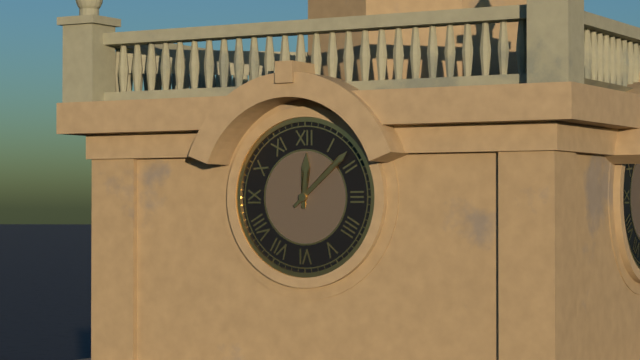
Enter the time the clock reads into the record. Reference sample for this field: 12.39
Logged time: 12.08
